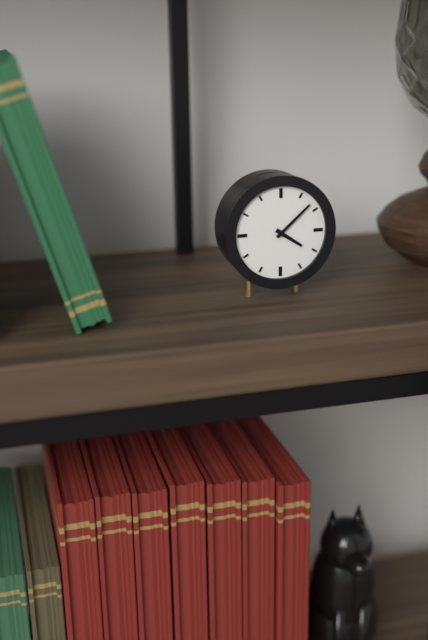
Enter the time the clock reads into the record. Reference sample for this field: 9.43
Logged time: 4.08
